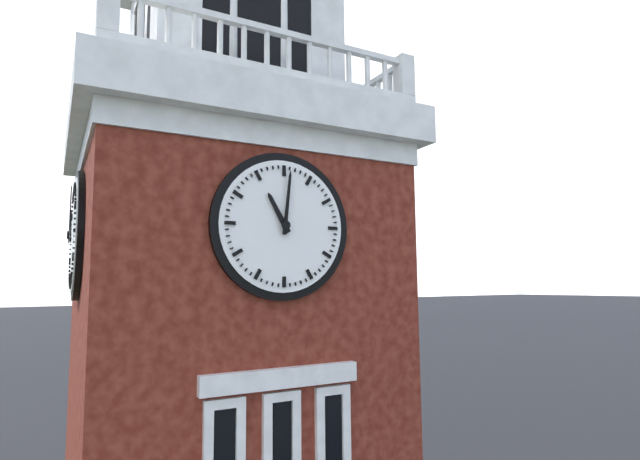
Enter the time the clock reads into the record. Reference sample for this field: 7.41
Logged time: 11.01
